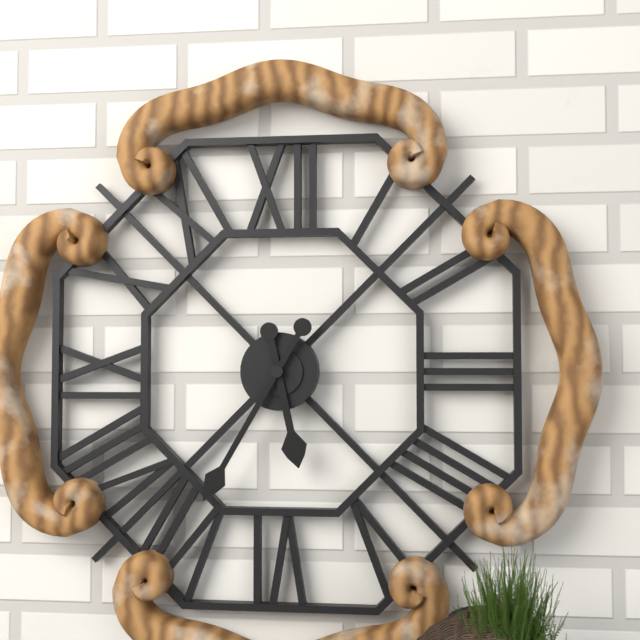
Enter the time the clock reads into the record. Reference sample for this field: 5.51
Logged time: 5.35
